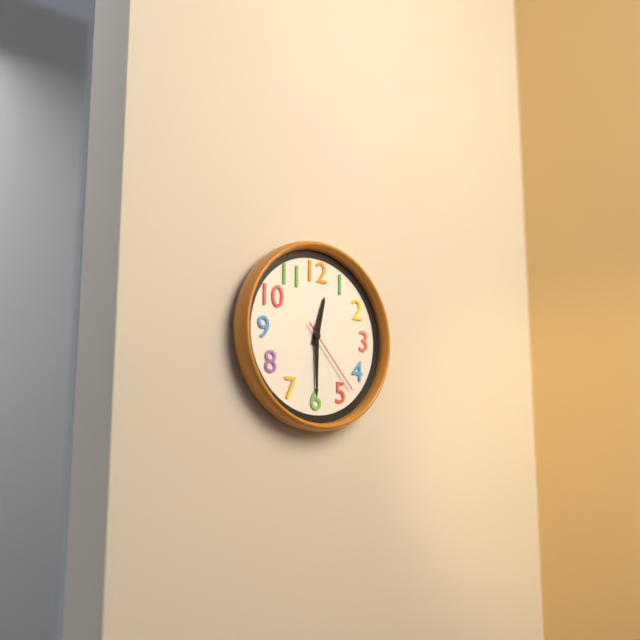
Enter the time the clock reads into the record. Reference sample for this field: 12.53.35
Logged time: 12.30.23
